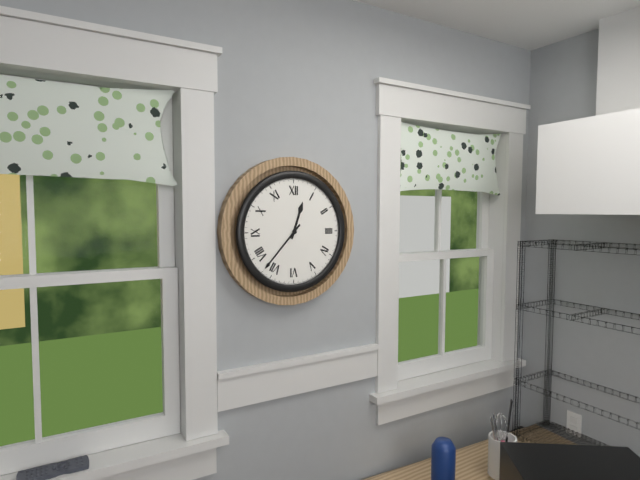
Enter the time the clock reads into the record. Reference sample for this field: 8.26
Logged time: 12.37
